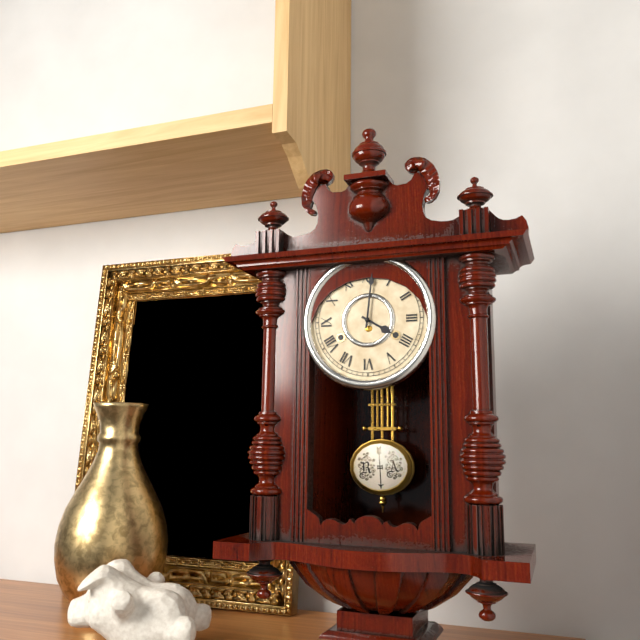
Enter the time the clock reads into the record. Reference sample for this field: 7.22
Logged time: 4.01
